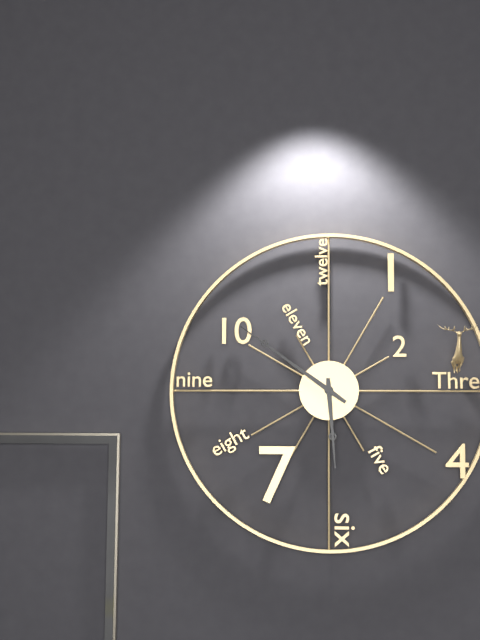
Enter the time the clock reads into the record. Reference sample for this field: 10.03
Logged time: 5.51
